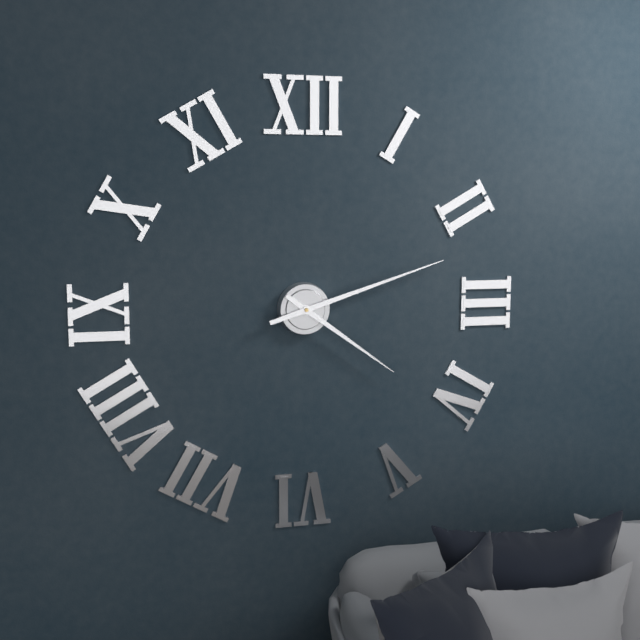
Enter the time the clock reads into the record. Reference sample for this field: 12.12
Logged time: 4.12
